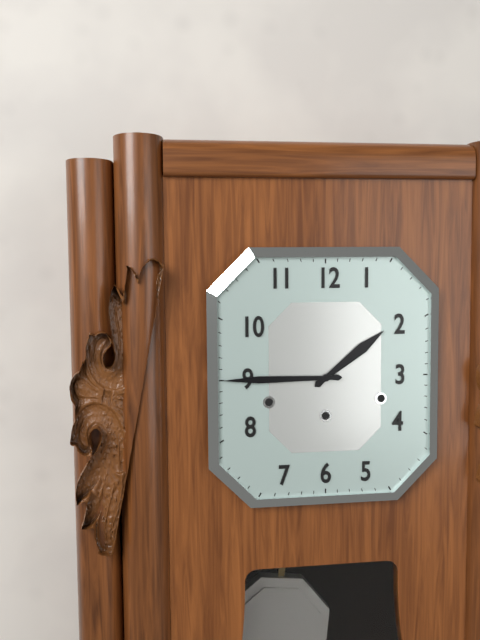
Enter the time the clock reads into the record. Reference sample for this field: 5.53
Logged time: 1.45
